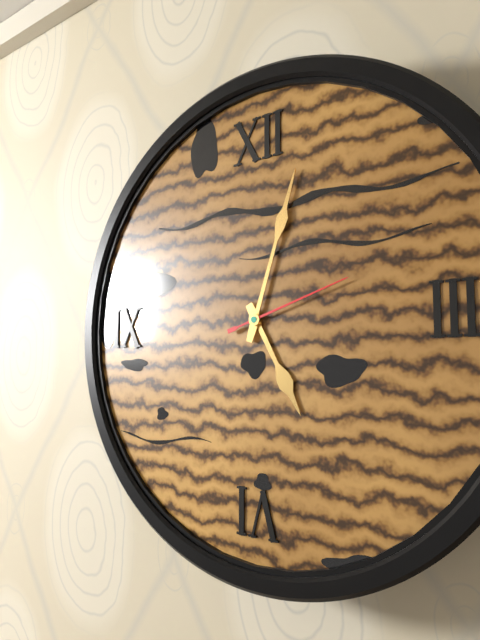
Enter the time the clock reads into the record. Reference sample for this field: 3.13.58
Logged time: 5.03.12
